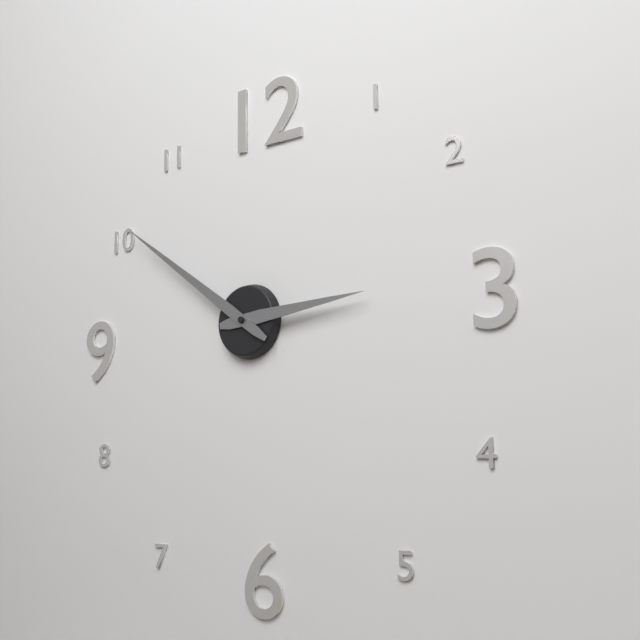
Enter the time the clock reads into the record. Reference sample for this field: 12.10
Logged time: 2.51
